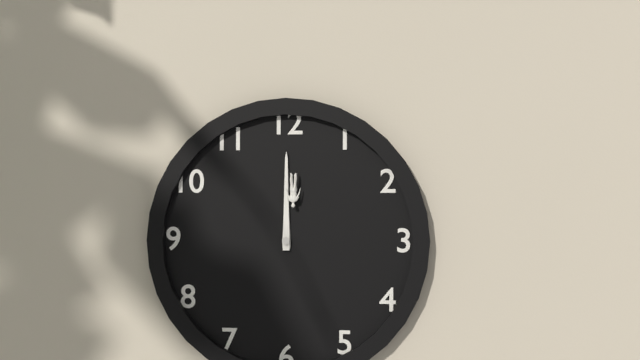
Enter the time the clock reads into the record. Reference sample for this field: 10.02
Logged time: 12.00
